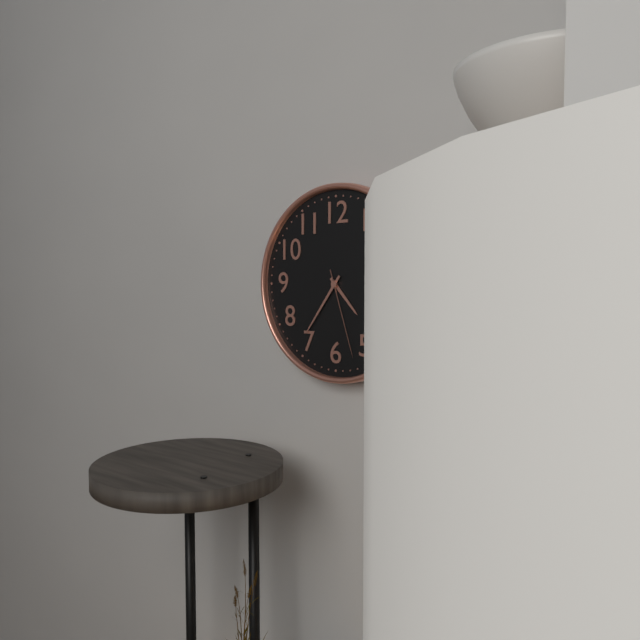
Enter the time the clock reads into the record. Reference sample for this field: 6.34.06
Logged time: 4.36.27
